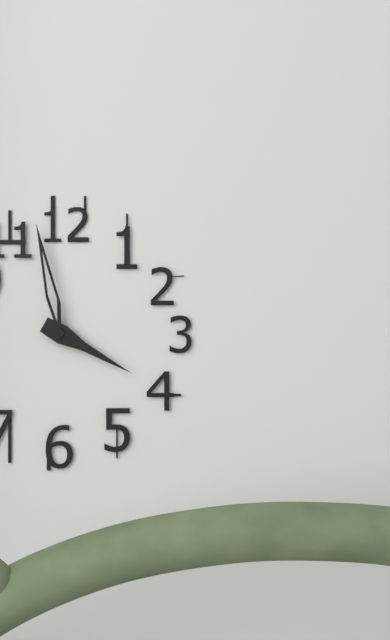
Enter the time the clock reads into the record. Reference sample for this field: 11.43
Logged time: 3.58
